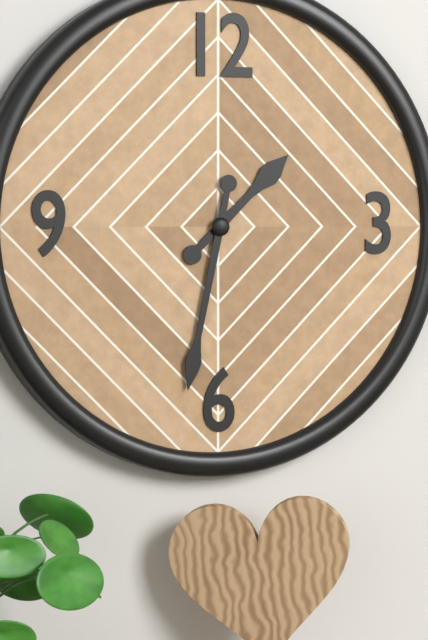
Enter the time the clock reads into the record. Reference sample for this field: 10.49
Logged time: 1.32
